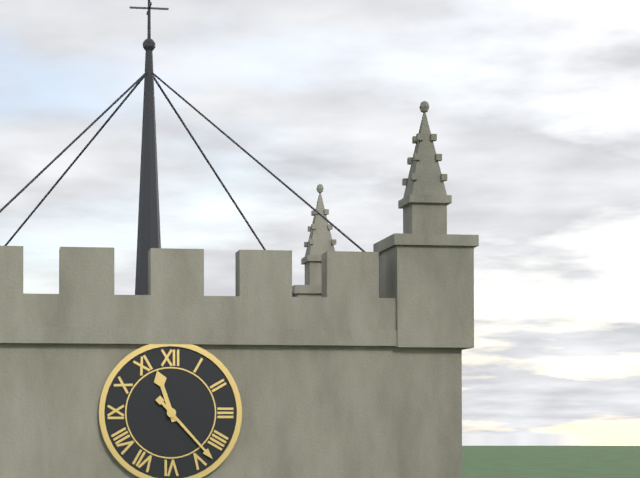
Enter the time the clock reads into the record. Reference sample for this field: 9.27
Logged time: 11.23
